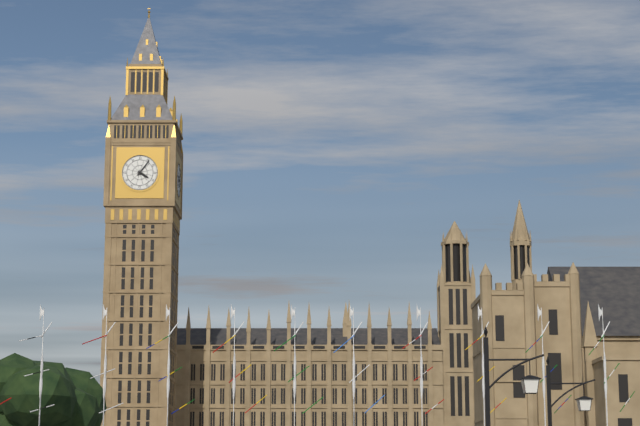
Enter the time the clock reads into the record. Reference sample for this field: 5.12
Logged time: 4.06
